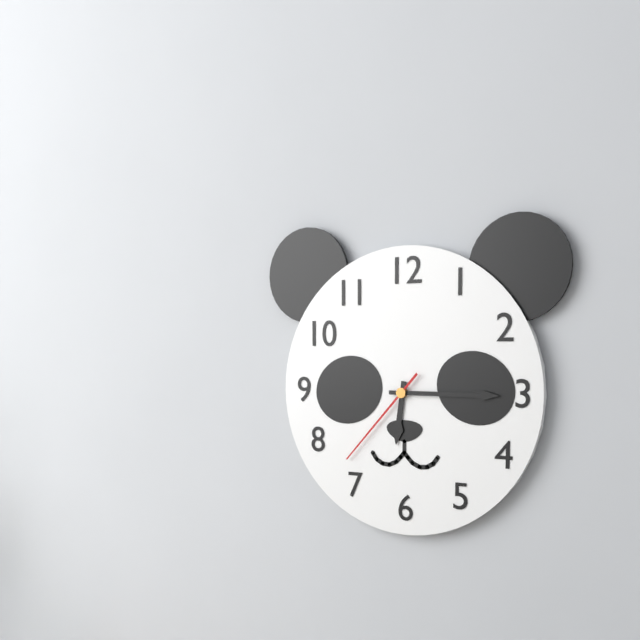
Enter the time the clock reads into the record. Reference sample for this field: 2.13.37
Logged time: 6.15.37
